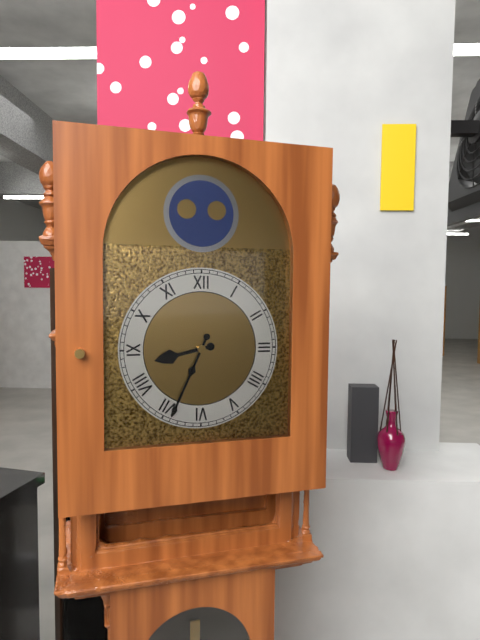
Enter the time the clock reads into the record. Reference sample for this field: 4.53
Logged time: 8.34
